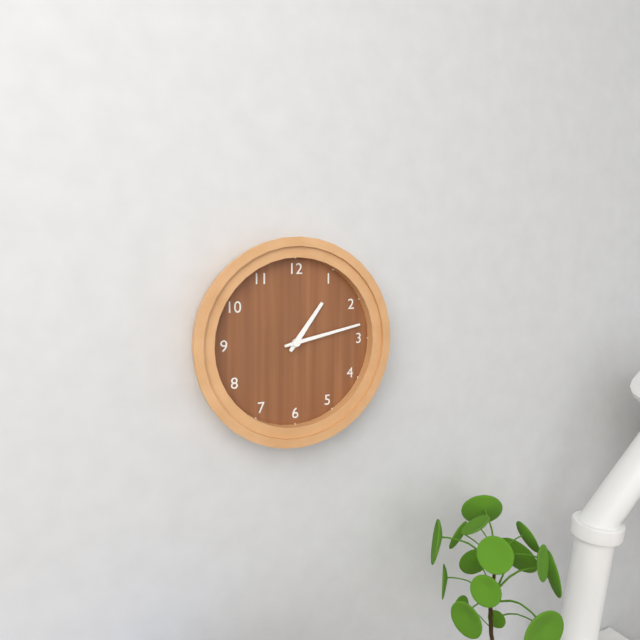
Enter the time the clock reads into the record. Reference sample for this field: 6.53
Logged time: 1.13
